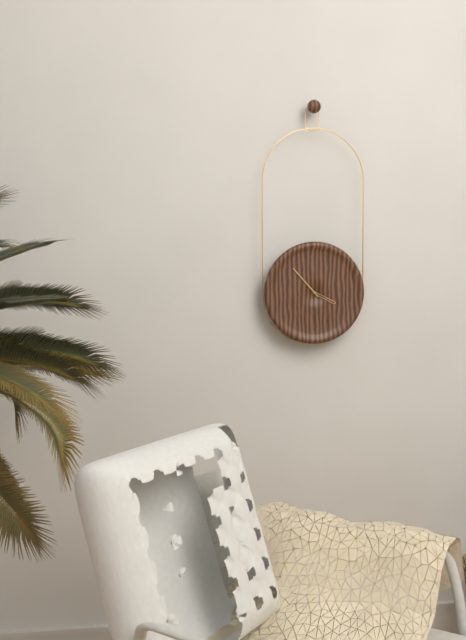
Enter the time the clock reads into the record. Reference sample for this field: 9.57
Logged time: 3.53
